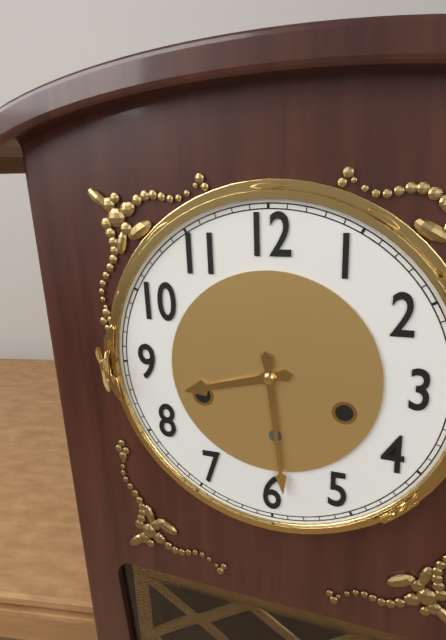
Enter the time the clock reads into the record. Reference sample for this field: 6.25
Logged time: 8.29
